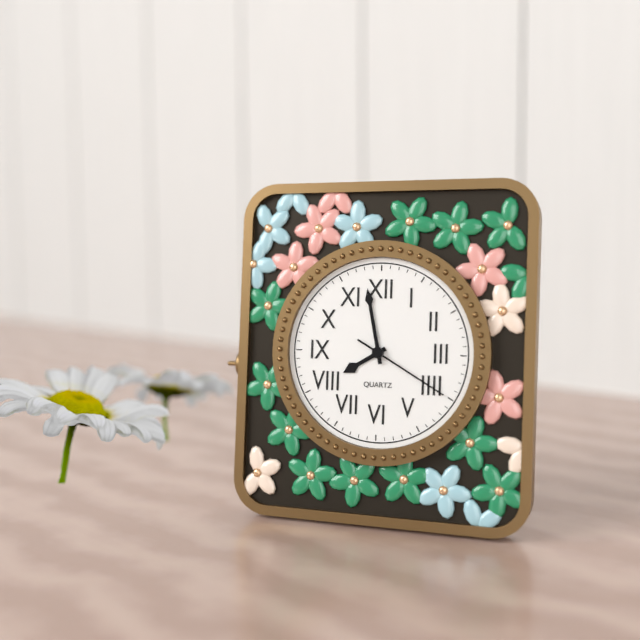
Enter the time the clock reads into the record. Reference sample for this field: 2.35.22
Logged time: 7.58.20
